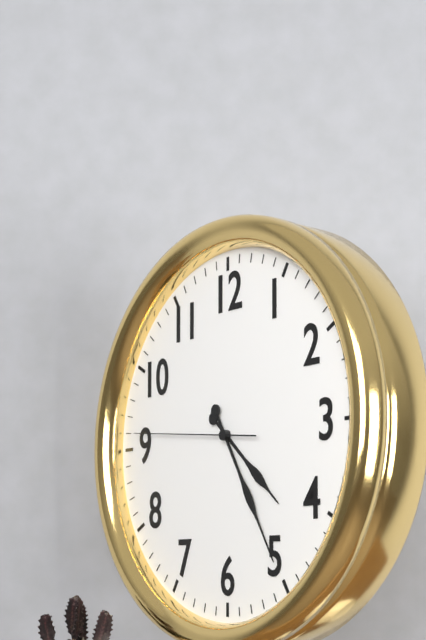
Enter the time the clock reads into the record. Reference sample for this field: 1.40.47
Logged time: 4.25.46
